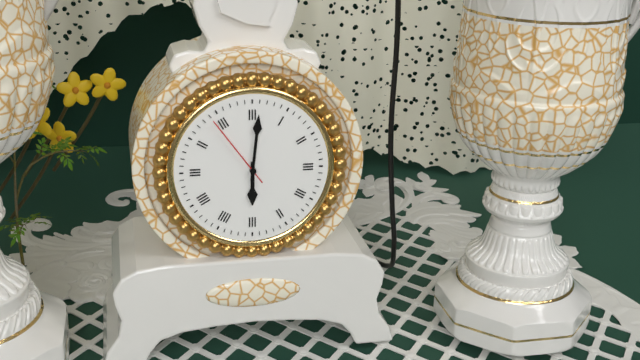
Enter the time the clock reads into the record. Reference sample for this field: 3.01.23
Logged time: 6.01.54
